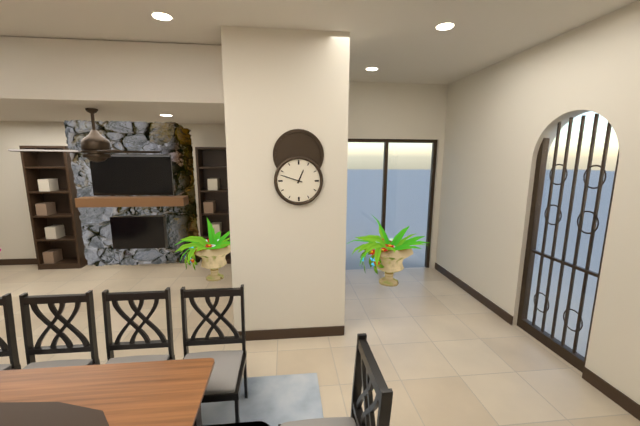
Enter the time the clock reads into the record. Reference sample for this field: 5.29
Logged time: 12.48
